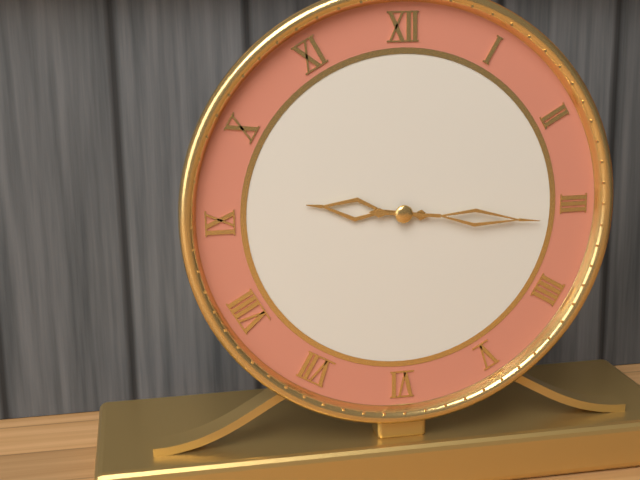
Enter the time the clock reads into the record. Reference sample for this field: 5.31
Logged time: 9.16
